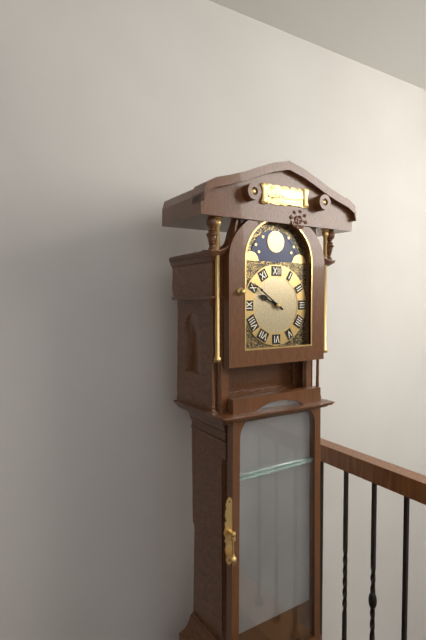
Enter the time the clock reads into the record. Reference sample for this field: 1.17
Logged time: 9.51
